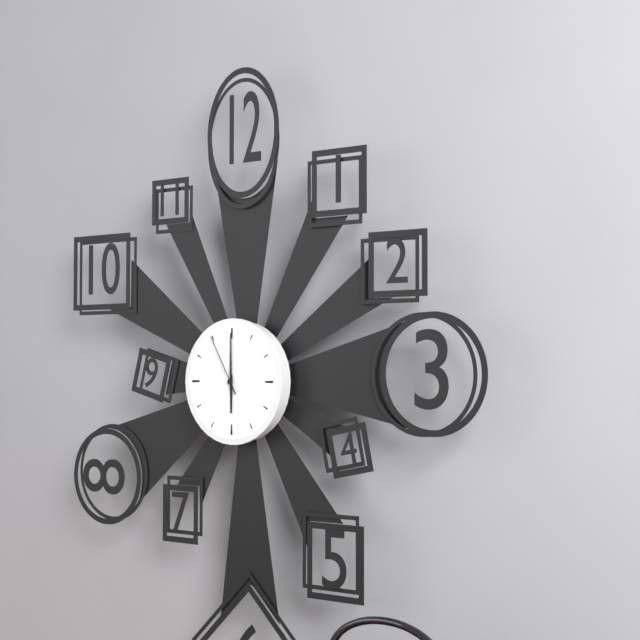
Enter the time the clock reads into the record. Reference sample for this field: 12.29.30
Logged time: 6.00.55
